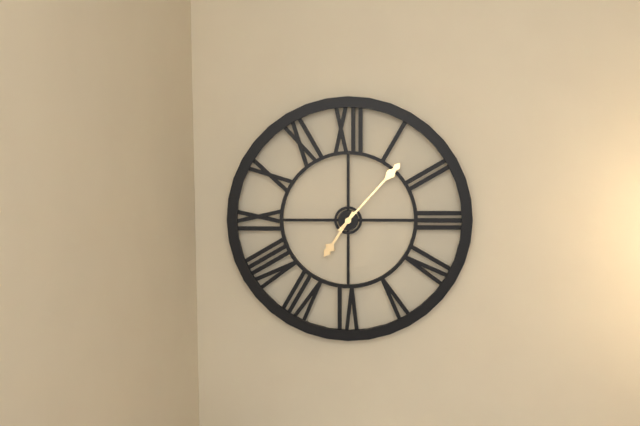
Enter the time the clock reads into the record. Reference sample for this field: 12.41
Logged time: 7.07
